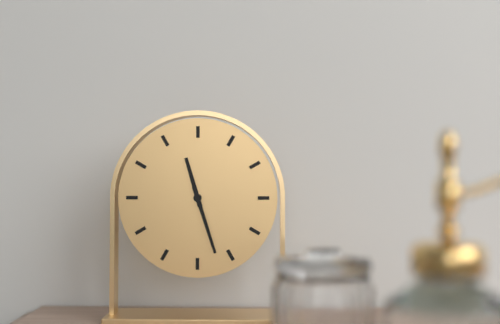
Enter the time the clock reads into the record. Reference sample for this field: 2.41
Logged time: 11.27
